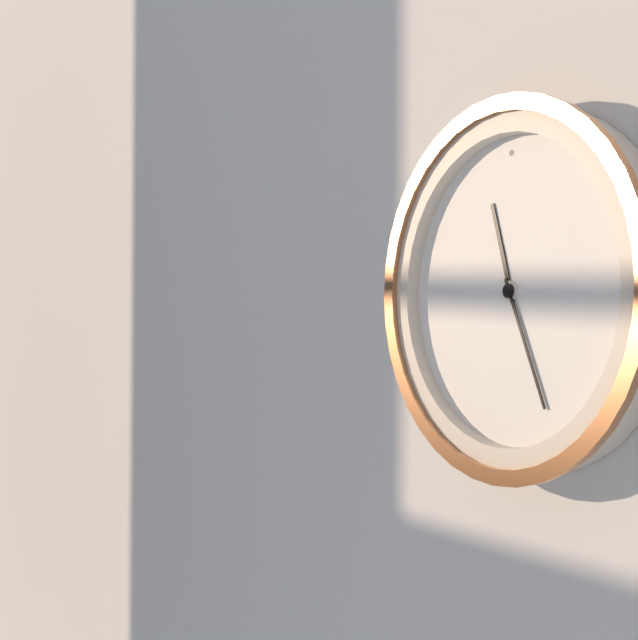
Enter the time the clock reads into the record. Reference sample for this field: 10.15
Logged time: 11.26
